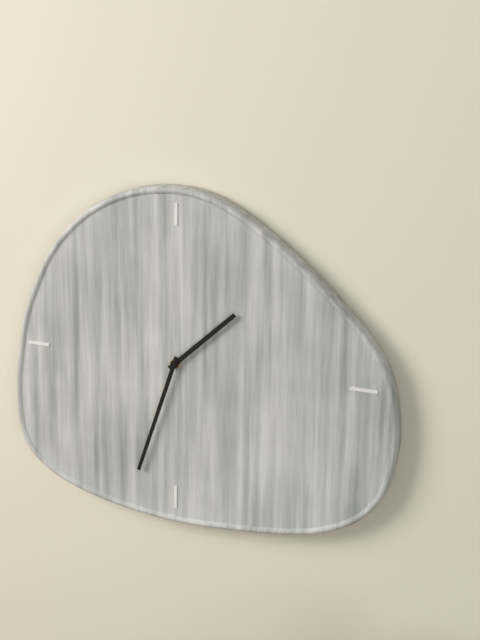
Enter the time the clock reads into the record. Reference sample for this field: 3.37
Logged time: 1.33
